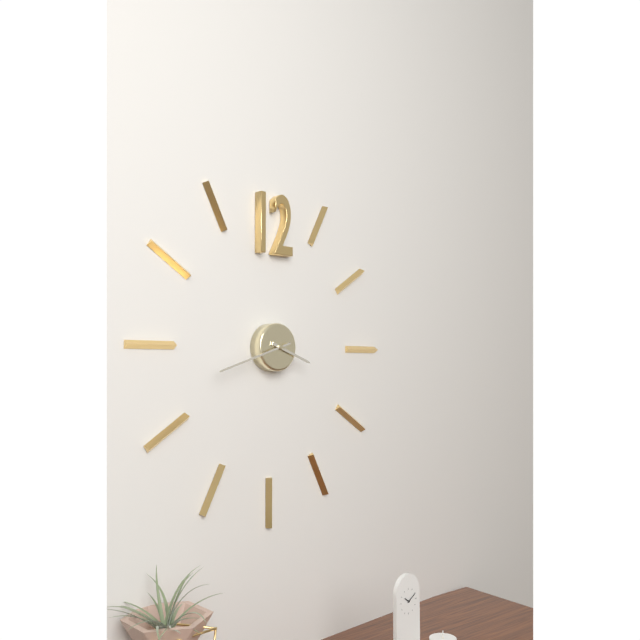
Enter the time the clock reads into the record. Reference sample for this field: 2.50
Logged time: 3.42
